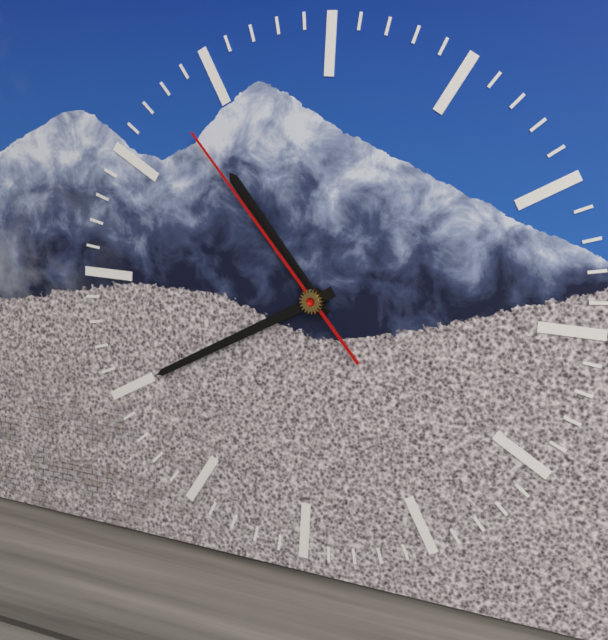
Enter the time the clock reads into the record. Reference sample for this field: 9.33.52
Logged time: 10.40.53
